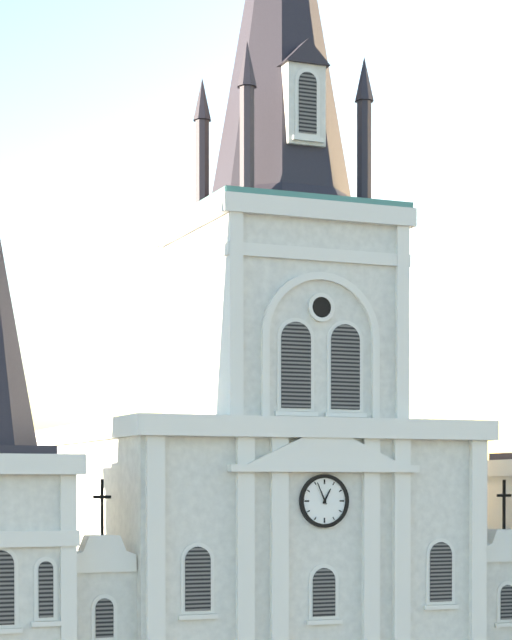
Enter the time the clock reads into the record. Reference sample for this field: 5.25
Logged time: 12.56
